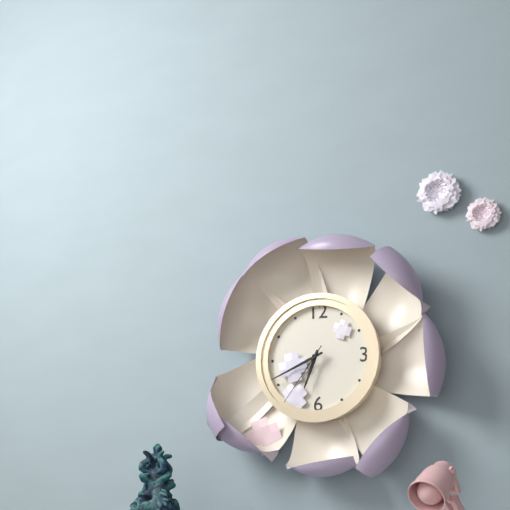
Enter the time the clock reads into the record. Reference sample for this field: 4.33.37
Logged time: 6.41.36
